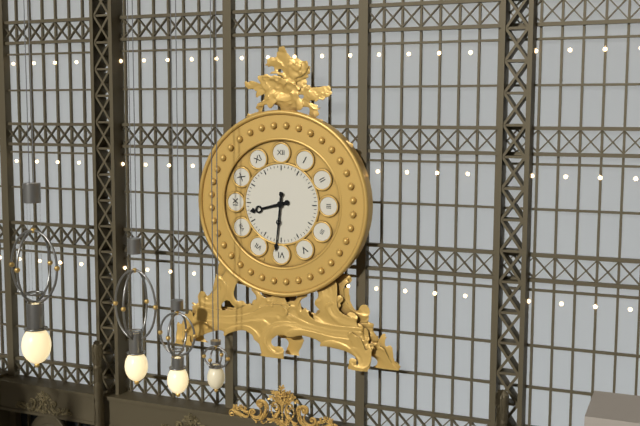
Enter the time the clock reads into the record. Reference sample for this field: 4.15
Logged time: 8.31
